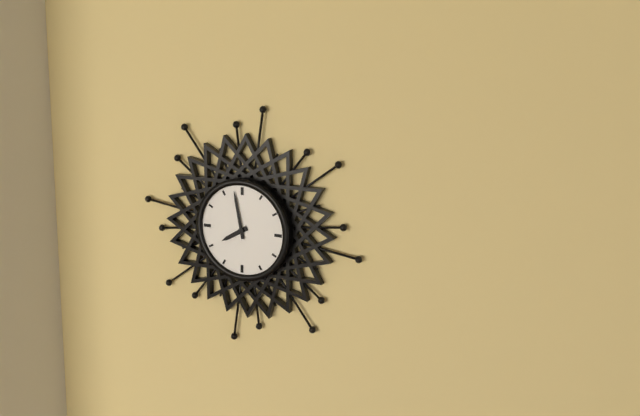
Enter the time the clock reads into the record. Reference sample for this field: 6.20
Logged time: 7.58
